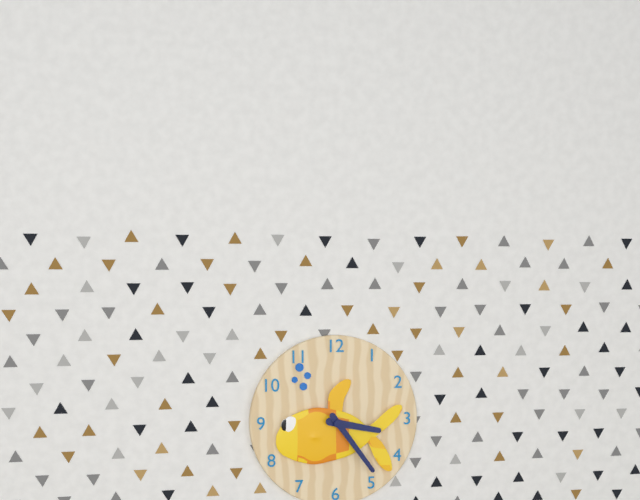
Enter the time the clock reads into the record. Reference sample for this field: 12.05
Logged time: 3.24
